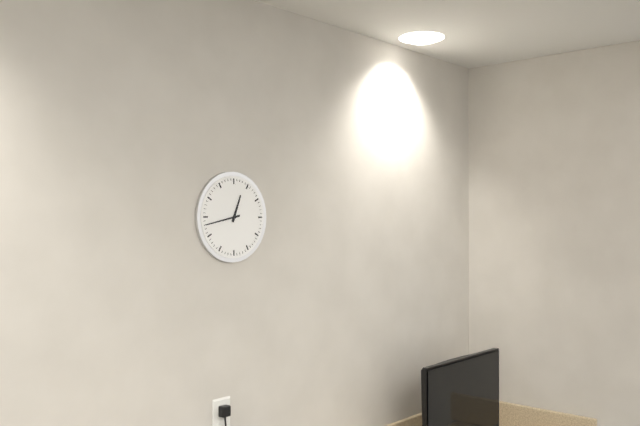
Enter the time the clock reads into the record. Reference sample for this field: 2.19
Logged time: 12.43
